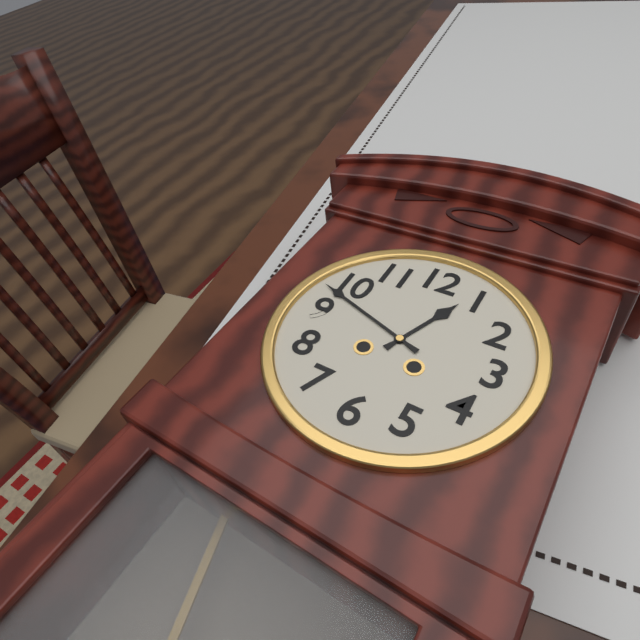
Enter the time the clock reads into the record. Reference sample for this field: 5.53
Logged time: 12.48
